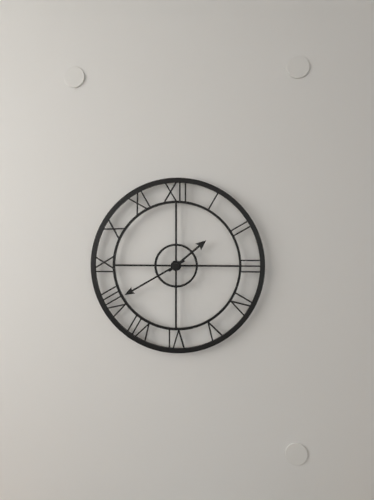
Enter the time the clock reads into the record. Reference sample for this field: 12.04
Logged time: 1.40
